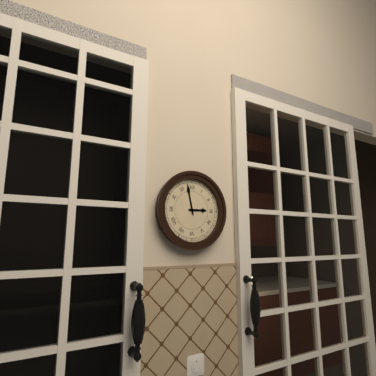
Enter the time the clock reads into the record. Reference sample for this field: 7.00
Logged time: 2.58
